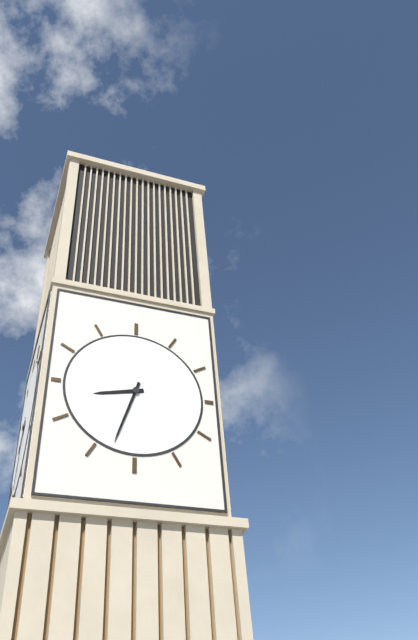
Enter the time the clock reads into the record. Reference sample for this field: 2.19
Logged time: 8.33
